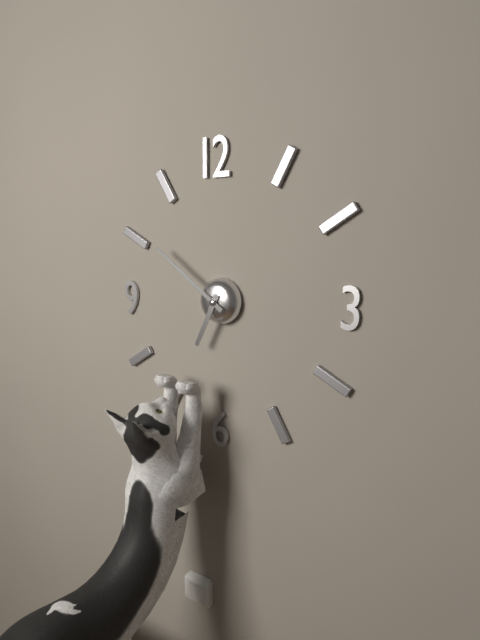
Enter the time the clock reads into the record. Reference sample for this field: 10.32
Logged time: 6.51
